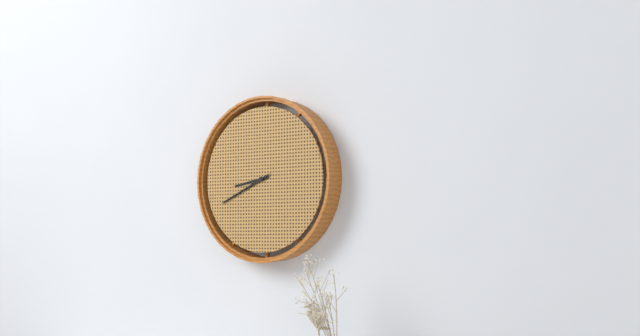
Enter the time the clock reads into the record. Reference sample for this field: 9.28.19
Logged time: 8.41.41
